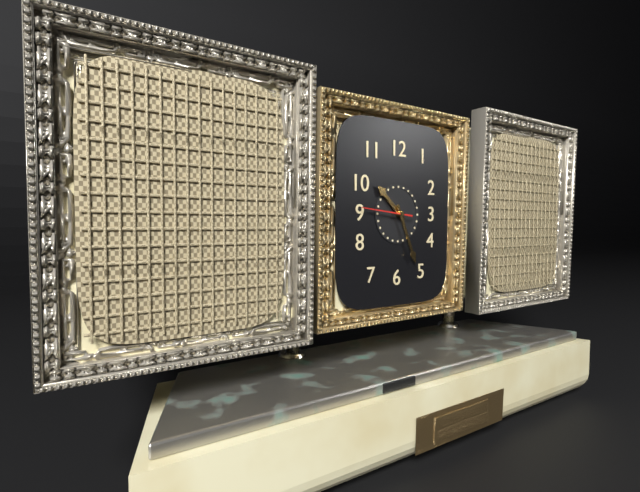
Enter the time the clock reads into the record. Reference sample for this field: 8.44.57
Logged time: 10.26.46
